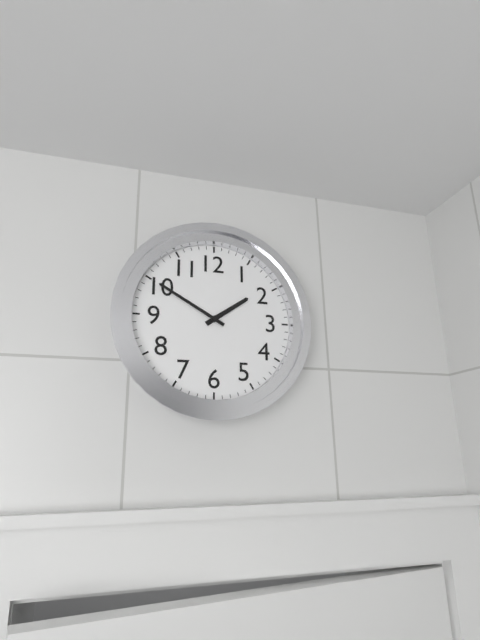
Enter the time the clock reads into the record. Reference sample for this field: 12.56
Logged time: 1.50
